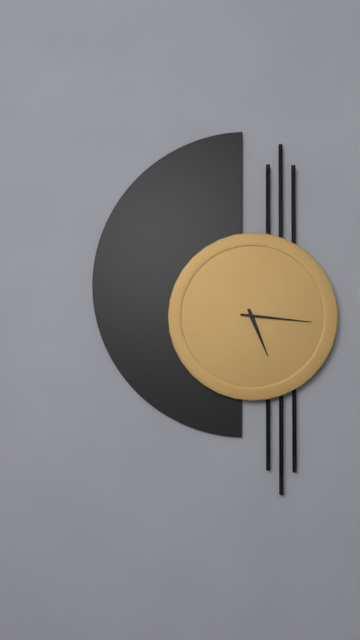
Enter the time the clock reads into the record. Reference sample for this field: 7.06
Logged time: 5.16
